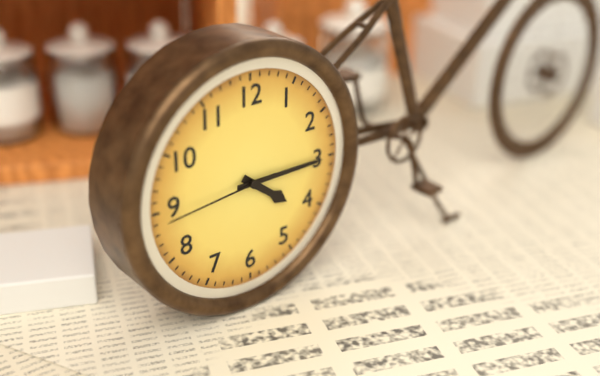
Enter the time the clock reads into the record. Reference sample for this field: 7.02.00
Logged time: 4.15.44
